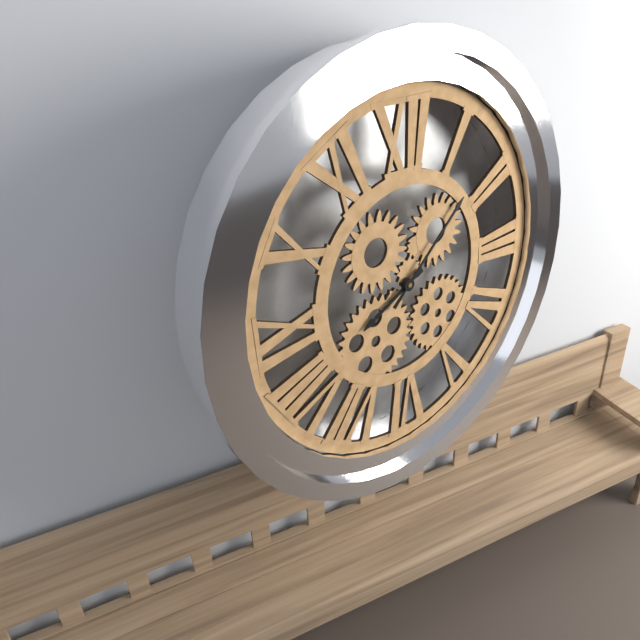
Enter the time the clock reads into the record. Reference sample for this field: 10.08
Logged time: 8.08
